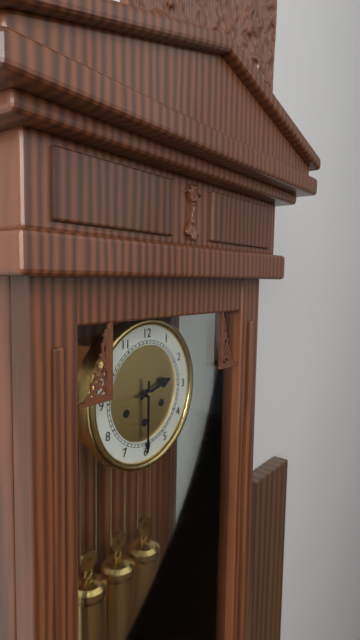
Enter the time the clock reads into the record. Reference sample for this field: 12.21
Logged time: 2.30
